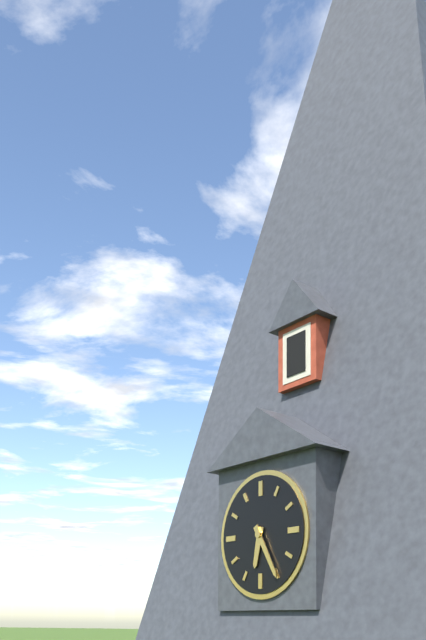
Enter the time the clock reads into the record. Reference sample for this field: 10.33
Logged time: 6.25
